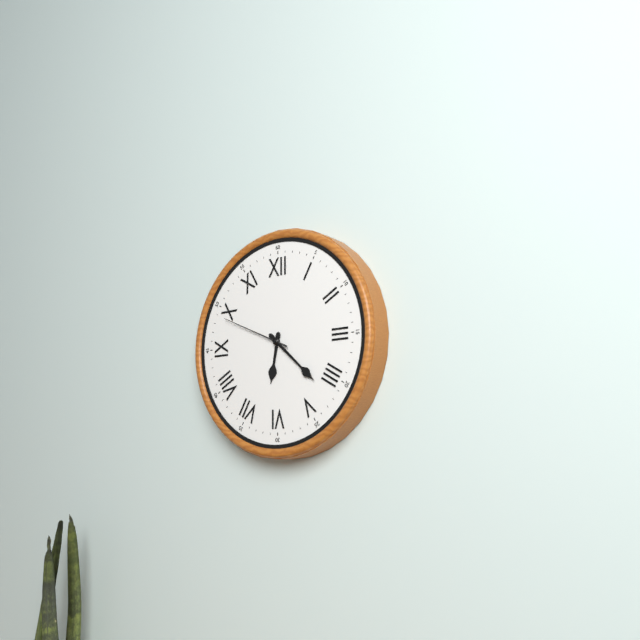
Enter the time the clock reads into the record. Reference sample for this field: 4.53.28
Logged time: 6.22.49
